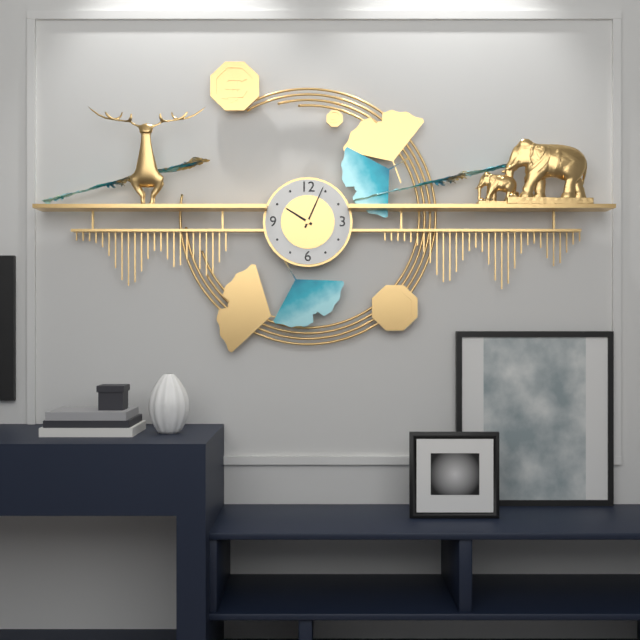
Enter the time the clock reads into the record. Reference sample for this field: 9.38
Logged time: 10.04
